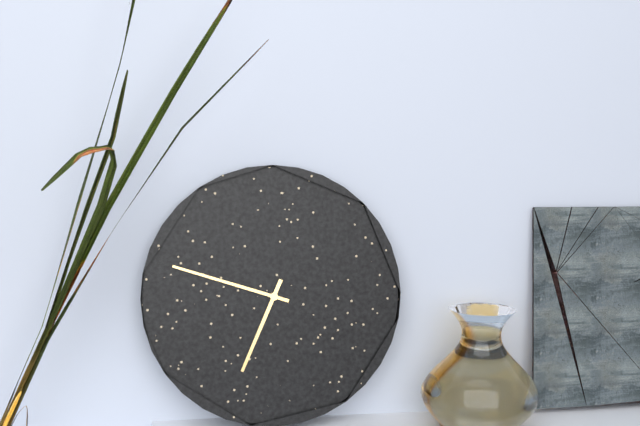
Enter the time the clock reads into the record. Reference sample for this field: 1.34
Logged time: 6.48
